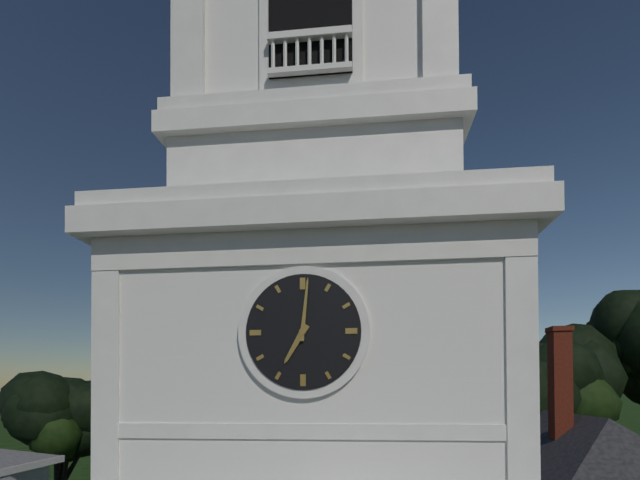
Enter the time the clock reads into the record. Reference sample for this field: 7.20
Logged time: 7.01
